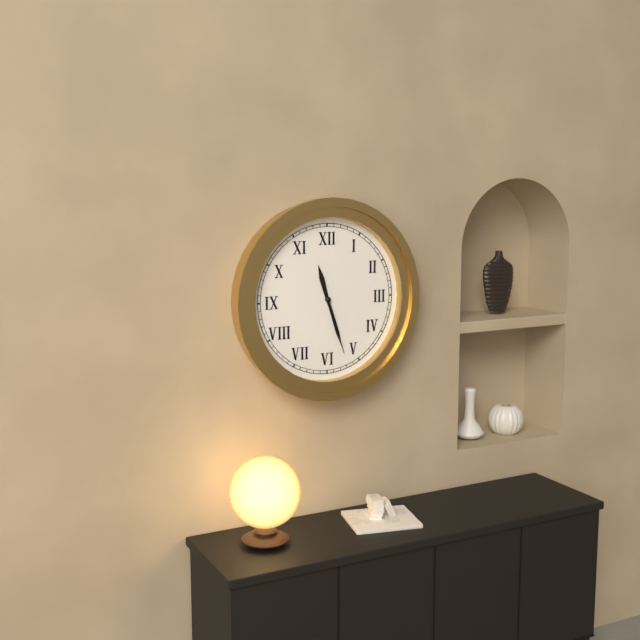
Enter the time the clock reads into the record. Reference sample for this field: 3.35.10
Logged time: 11.27.27
